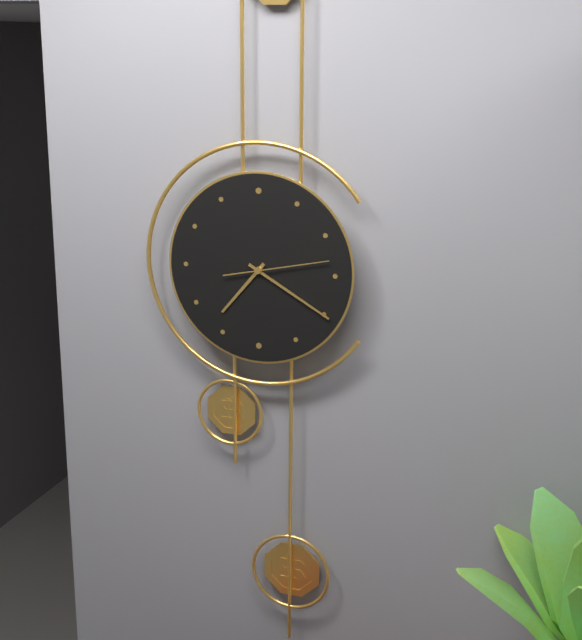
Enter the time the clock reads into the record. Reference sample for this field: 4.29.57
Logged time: 7.20.13
